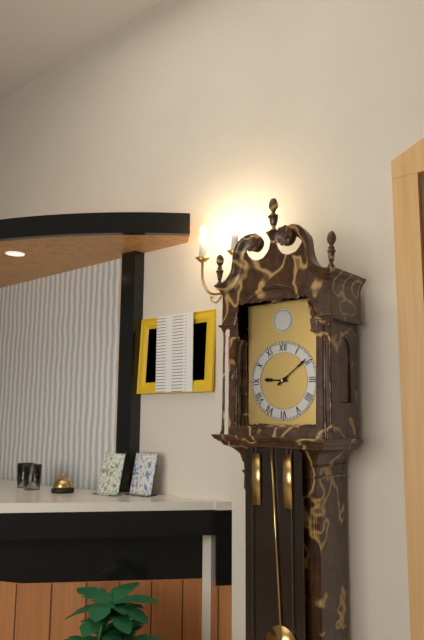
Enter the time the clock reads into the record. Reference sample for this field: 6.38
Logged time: 9.09
